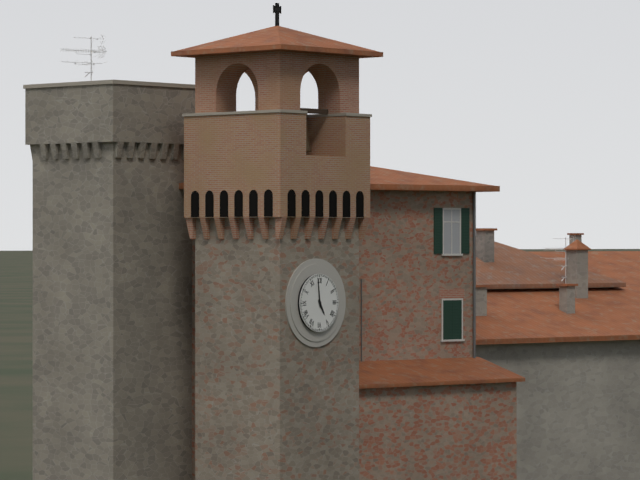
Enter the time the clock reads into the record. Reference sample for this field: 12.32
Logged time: 4.59
